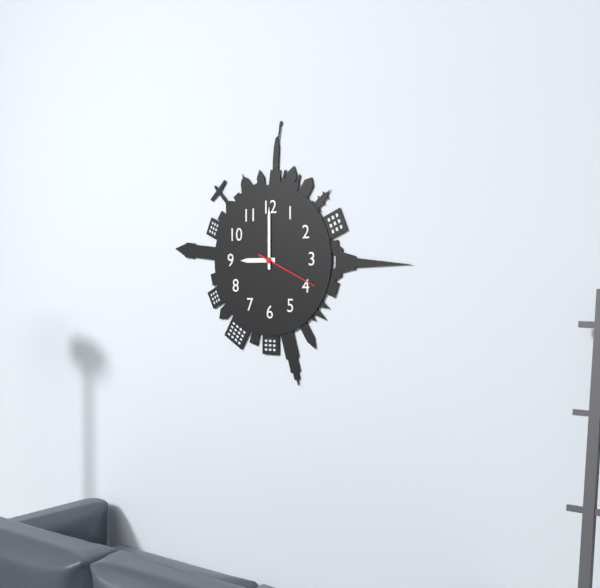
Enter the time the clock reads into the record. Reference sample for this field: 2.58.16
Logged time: 9.00.19
